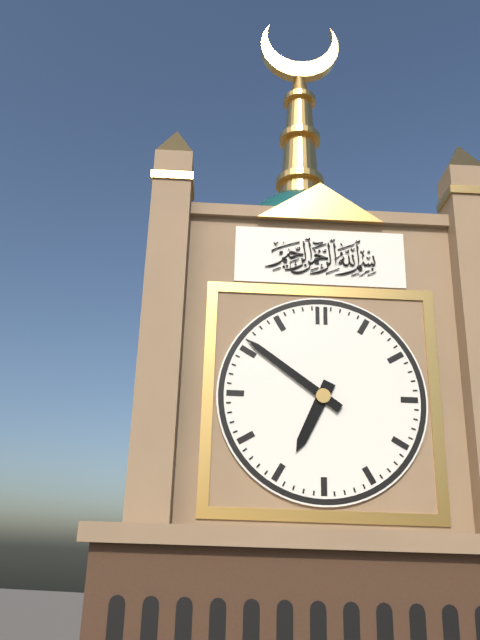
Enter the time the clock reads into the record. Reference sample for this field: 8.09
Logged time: 6.51
